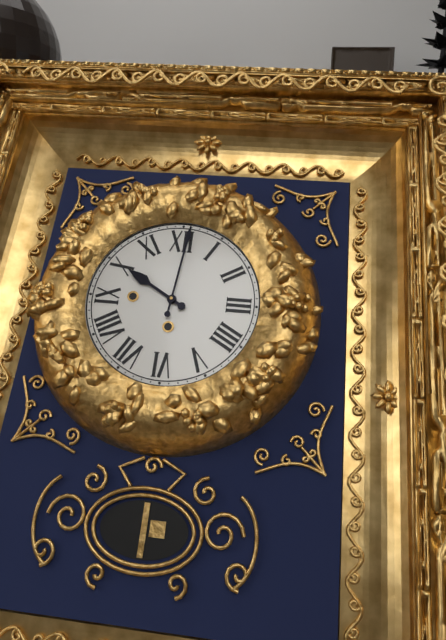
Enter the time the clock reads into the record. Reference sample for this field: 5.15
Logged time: 10.01
